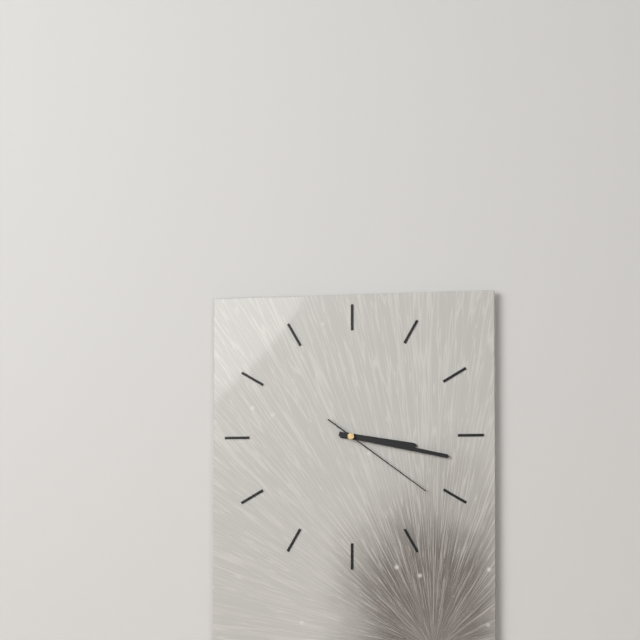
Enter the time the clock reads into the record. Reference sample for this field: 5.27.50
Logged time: 3.17.21
